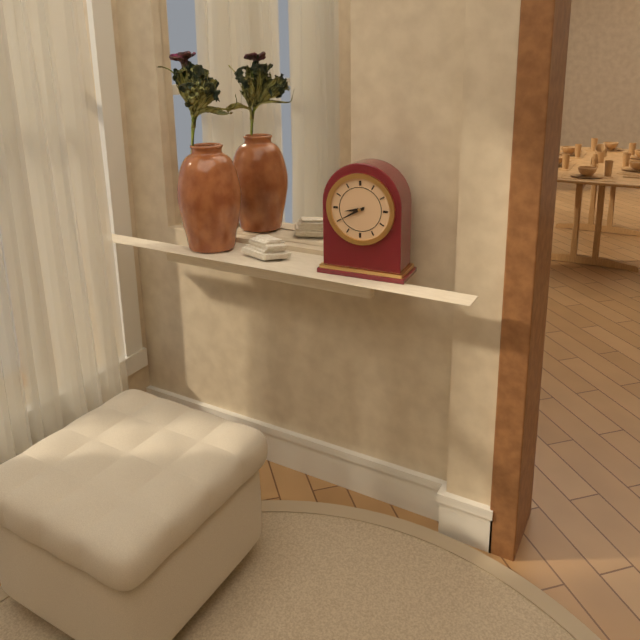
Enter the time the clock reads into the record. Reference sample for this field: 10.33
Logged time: 8.40
